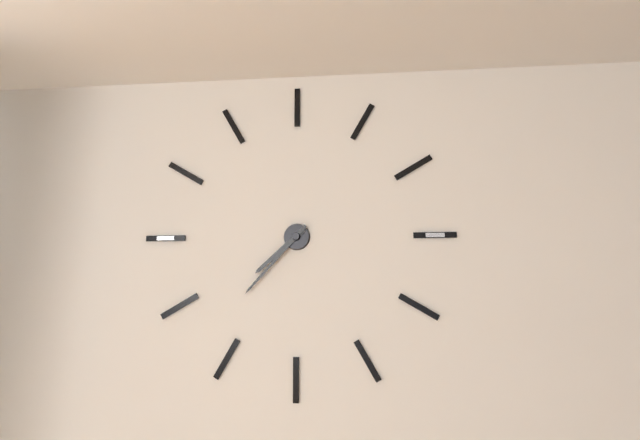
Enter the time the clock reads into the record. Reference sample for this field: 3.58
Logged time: 7.37
